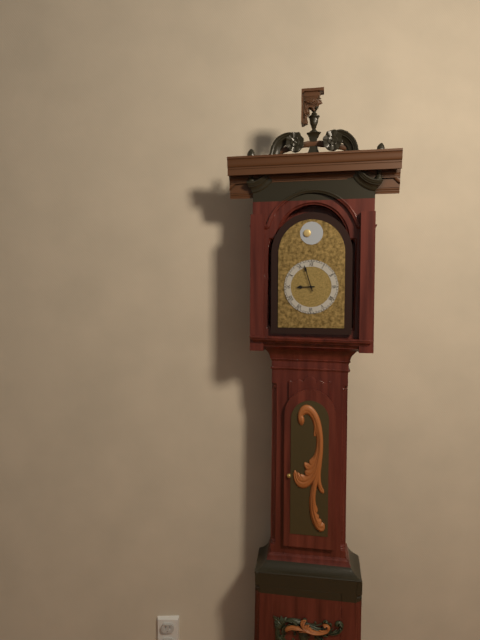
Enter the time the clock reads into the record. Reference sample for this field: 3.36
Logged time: 8.57
